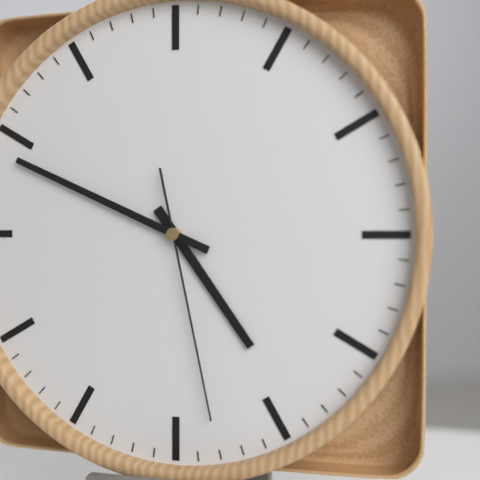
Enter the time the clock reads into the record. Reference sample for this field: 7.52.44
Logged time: 4.49.28
